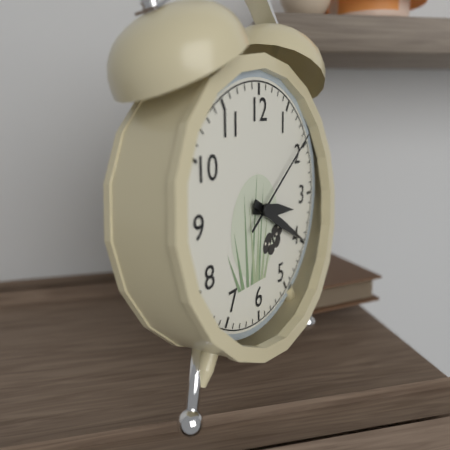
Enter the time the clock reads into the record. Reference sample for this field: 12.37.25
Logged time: 3.20.09
